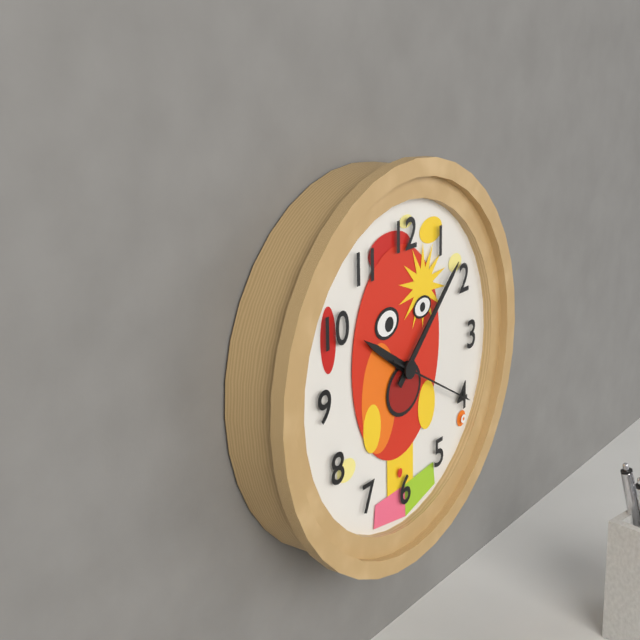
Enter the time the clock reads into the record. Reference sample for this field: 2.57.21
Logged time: 10.08.20
